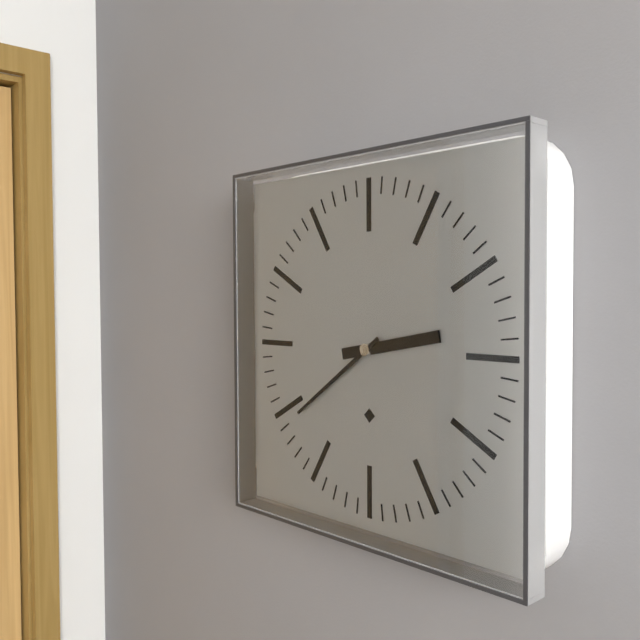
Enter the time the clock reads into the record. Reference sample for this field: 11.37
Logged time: 2.39
